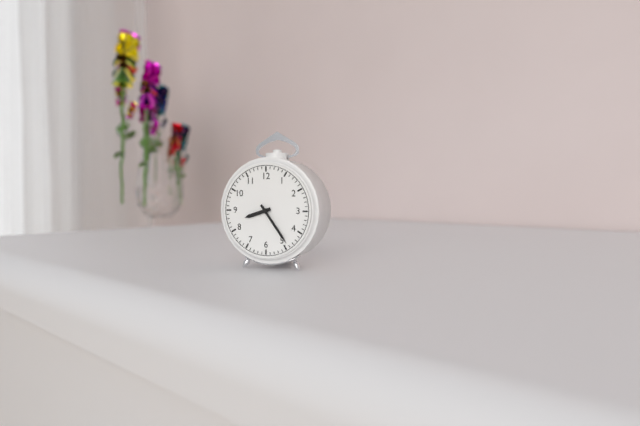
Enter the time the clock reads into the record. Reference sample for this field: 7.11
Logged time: 8.24
